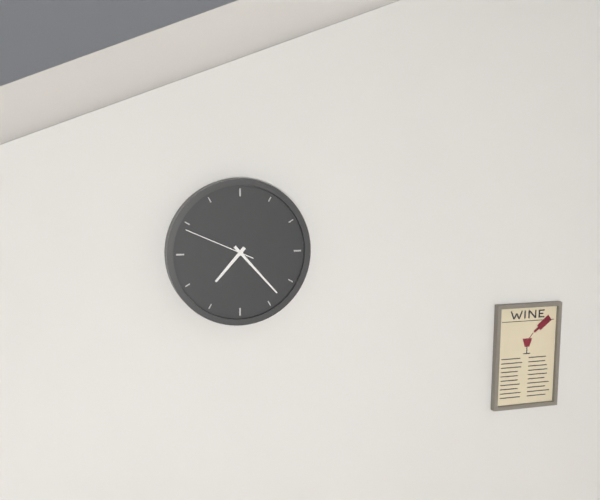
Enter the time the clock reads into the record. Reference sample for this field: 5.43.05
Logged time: 7.23.49
